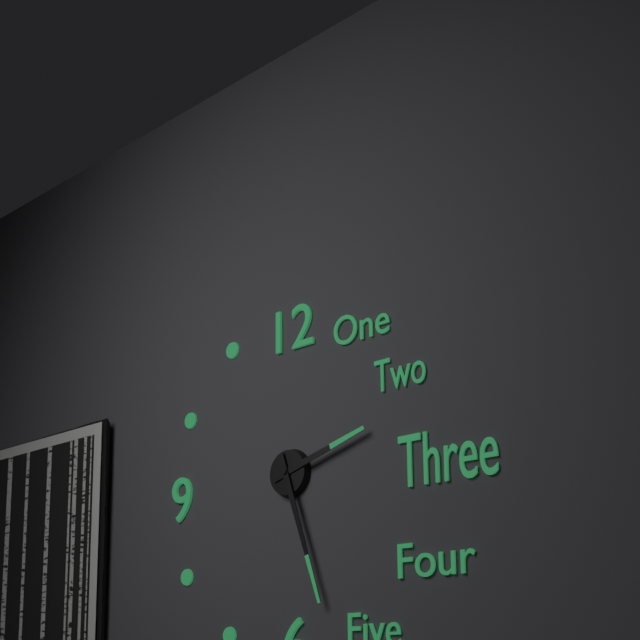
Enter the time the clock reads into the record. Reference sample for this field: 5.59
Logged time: 2.27
